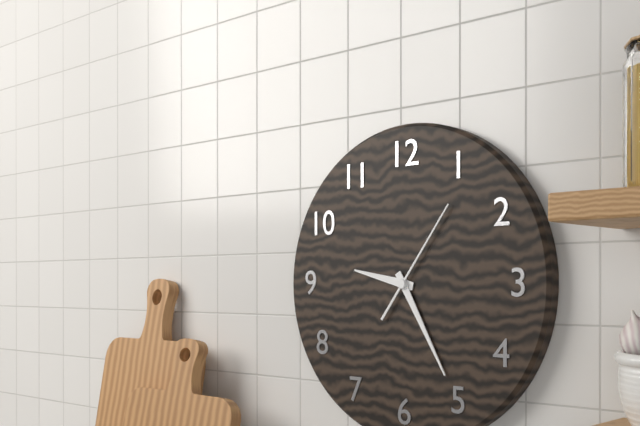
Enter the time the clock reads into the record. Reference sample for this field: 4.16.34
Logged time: 9.25.06
